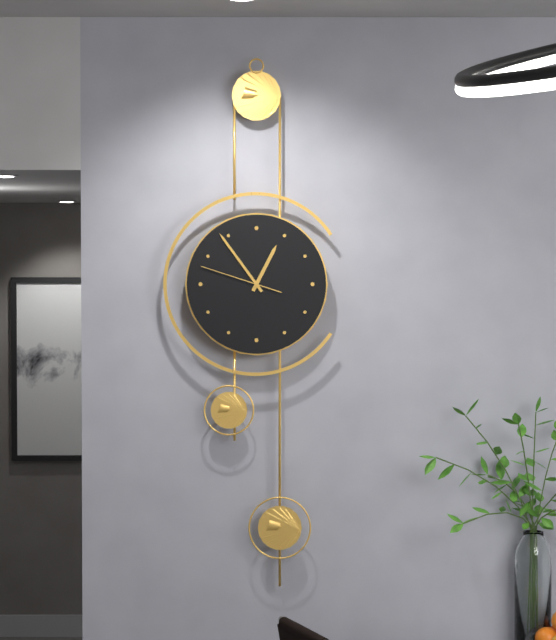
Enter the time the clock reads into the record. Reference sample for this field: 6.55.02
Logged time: 12.54.48
